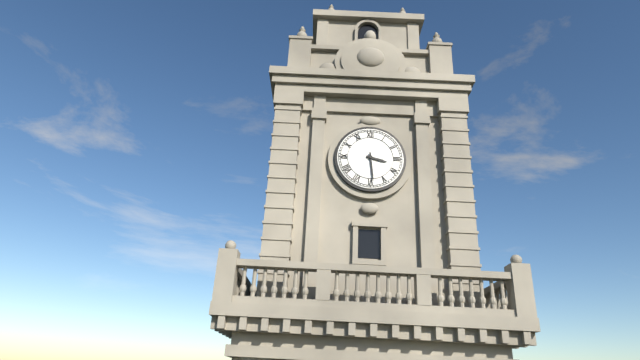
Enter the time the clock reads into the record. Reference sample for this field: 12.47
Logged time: 3.29
